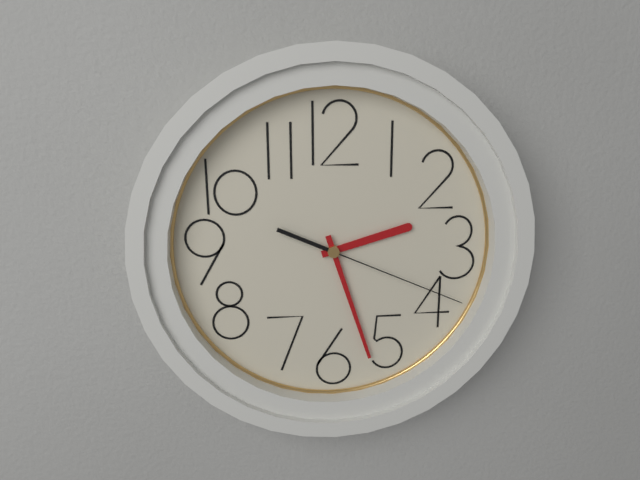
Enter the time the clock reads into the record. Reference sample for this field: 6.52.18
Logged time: 2.27.19
